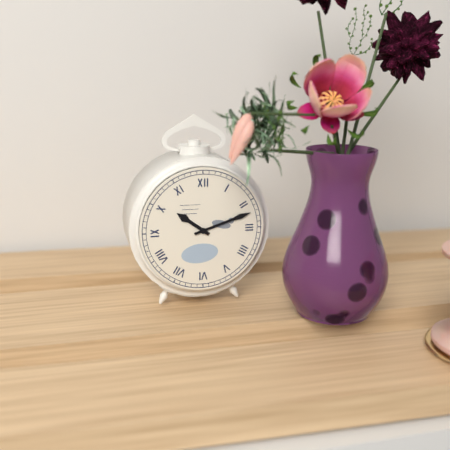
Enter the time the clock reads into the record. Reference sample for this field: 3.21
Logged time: 10.12
